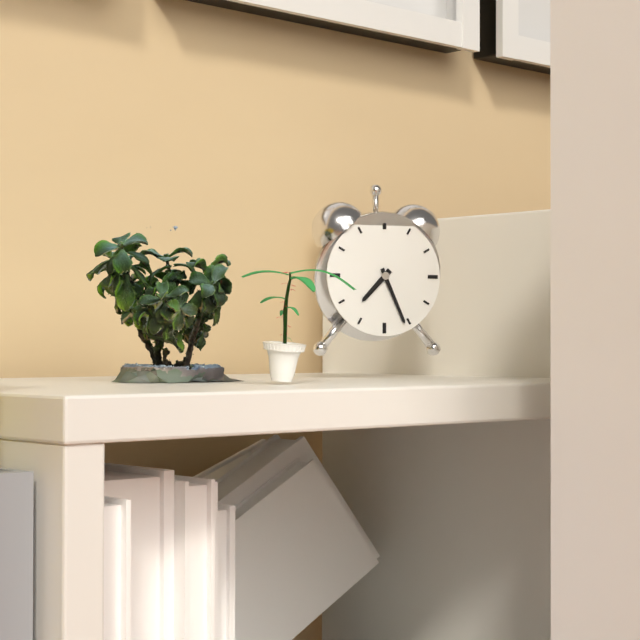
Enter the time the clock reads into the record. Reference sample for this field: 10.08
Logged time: 7.26
